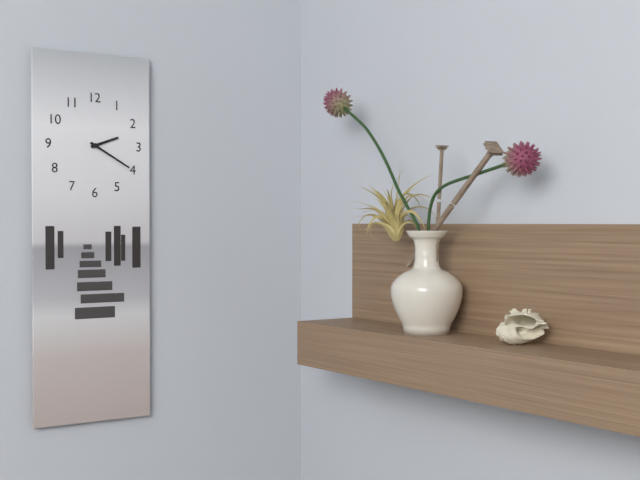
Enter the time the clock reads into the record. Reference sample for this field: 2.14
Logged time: 2.20
